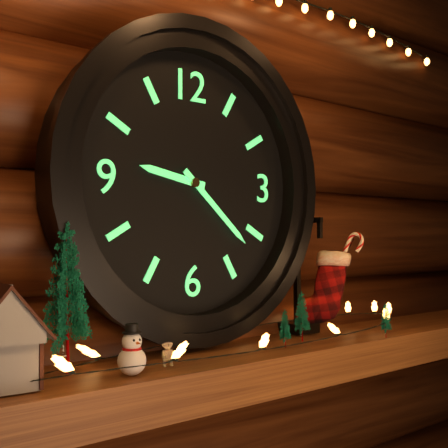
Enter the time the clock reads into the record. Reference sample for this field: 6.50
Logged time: 9.22
